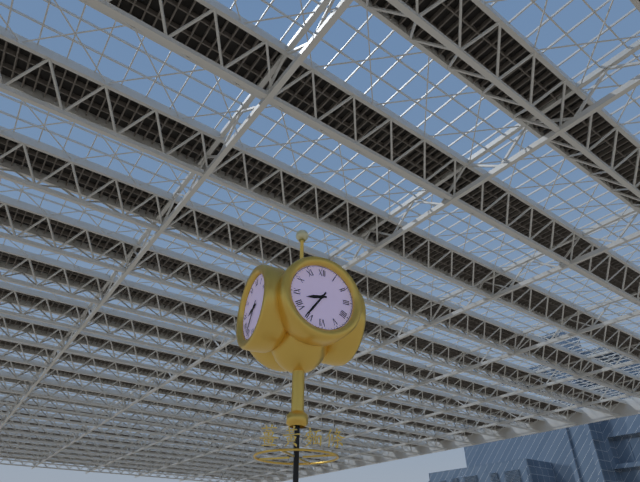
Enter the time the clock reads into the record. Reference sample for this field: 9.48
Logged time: 8.36
